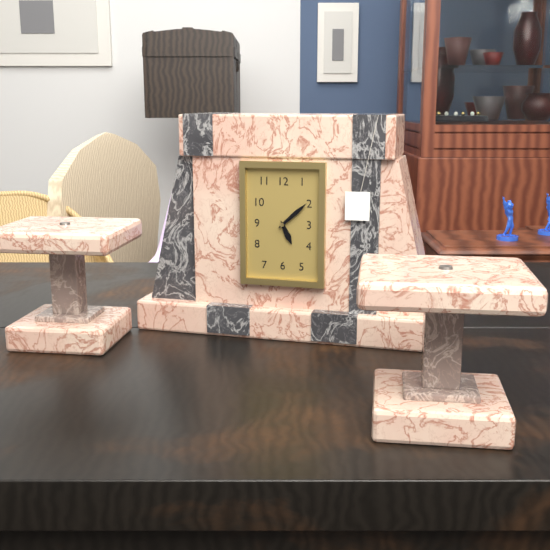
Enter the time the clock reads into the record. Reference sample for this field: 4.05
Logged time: 5.08
